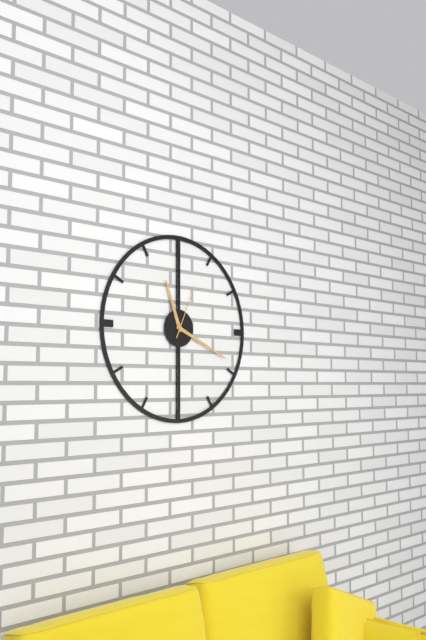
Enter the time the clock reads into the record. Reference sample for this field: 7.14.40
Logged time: 11.19.04
